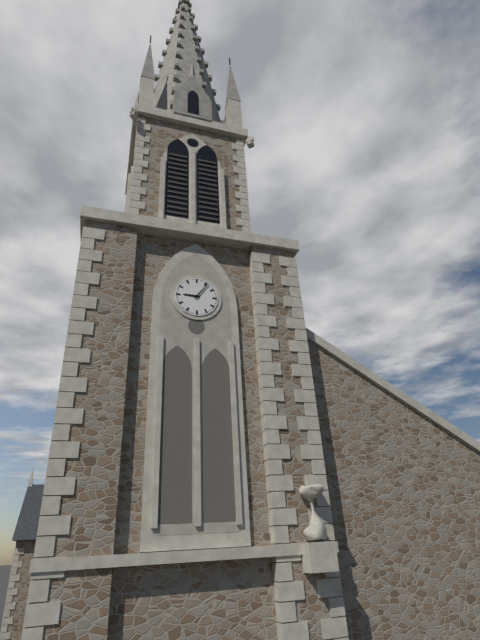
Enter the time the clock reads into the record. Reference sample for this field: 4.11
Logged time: 9.06
